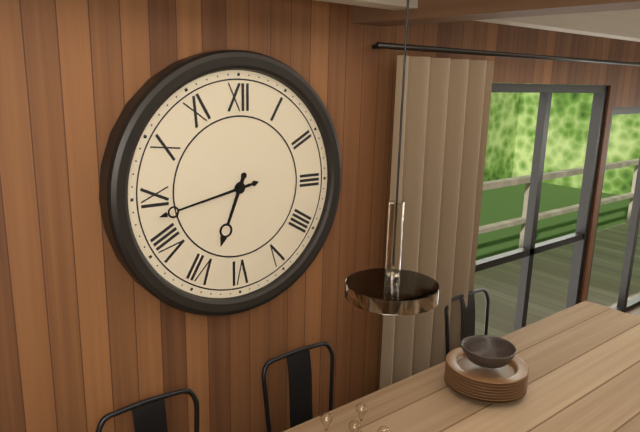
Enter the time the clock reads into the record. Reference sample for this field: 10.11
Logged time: 6.43
